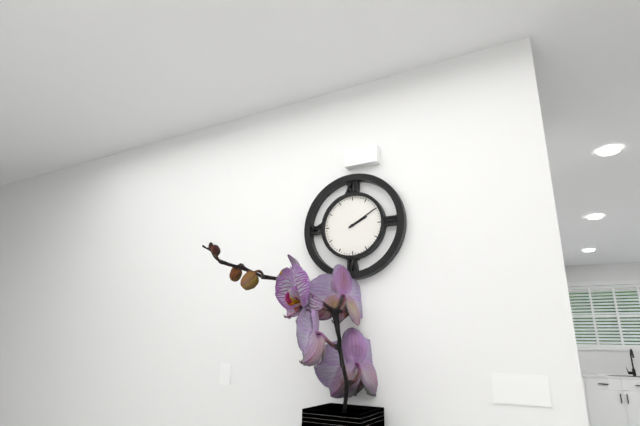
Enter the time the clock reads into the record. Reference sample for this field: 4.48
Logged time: 2.10
